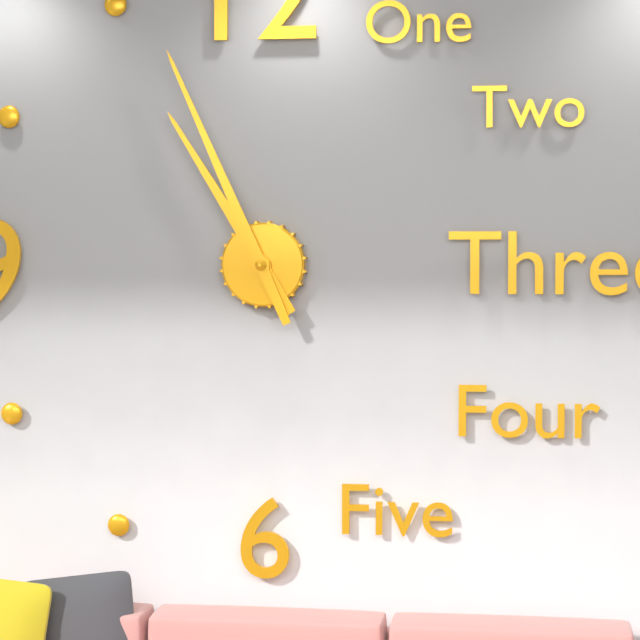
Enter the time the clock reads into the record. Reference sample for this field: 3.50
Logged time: 10.56
